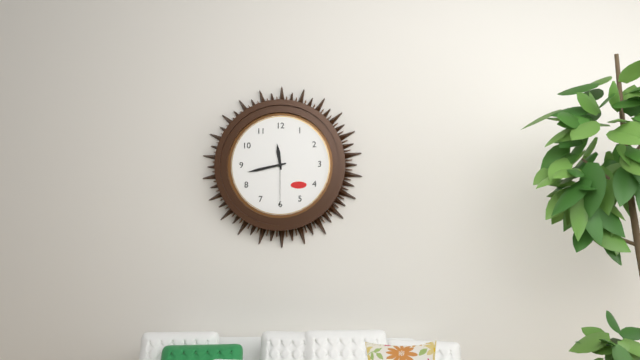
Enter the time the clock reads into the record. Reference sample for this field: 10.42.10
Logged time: 11.43.30
